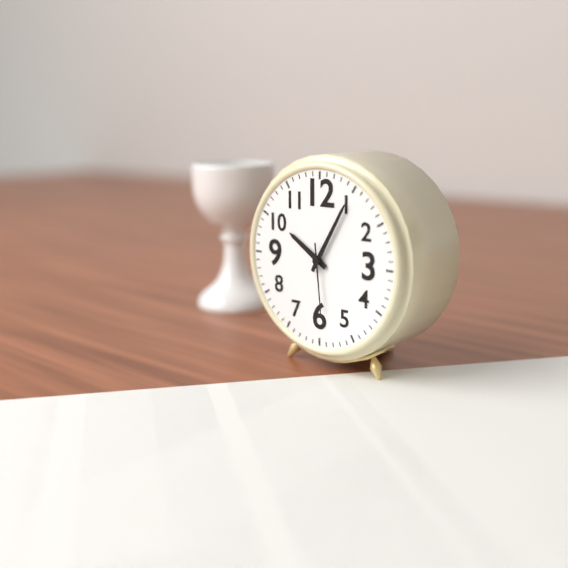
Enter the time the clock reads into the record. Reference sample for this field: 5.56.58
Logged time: 10.05.29
